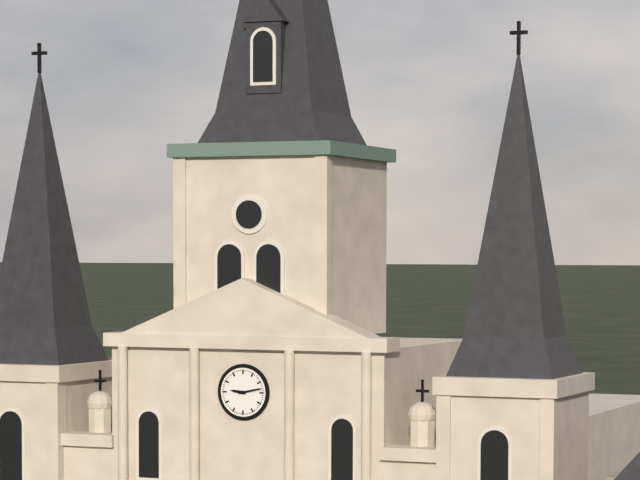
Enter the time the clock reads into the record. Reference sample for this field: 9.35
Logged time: 9.13
